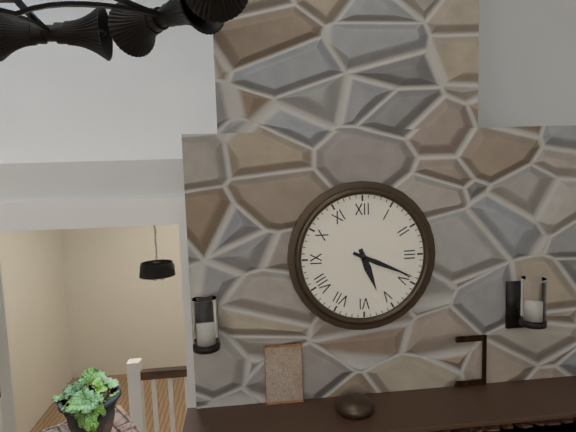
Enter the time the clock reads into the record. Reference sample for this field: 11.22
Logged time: 5.19
